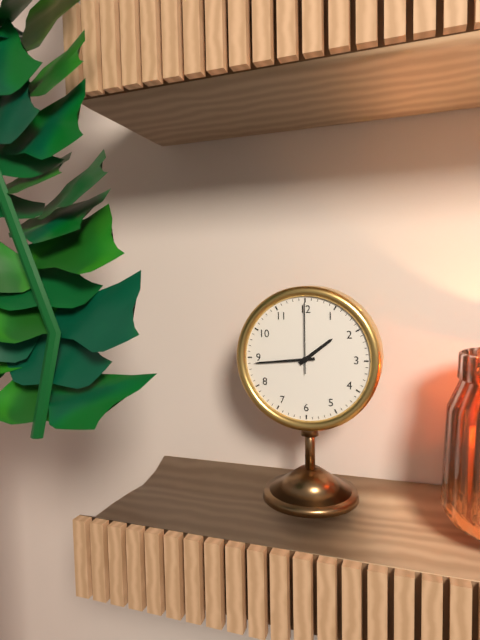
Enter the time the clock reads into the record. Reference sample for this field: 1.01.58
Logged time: 1.44.00
